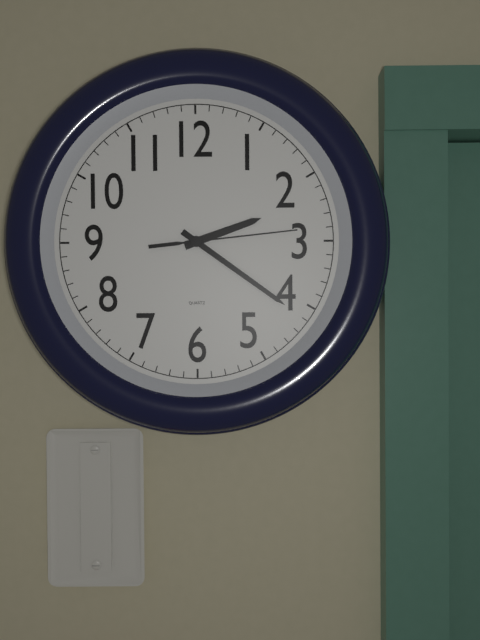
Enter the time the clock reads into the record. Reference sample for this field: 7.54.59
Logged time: 2.21.14
